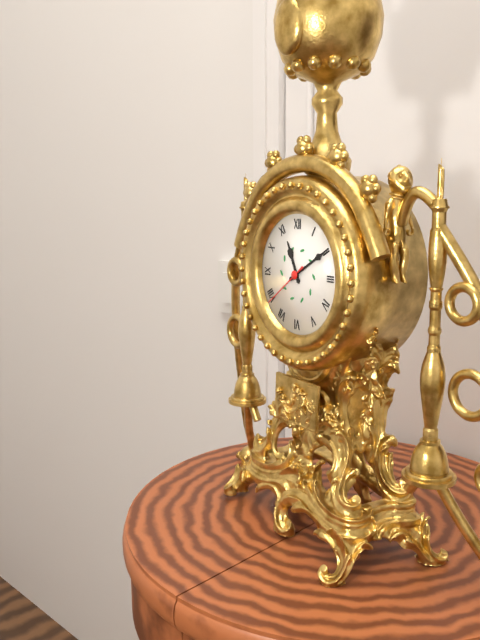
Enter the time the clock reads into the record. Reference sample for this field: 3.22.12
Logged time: 11.10.39
